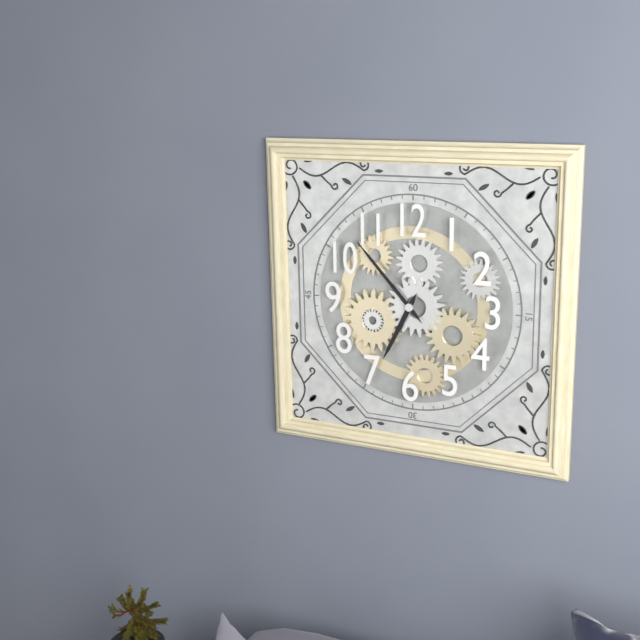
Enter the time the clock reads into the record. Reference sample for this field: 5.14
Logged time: 6.53
